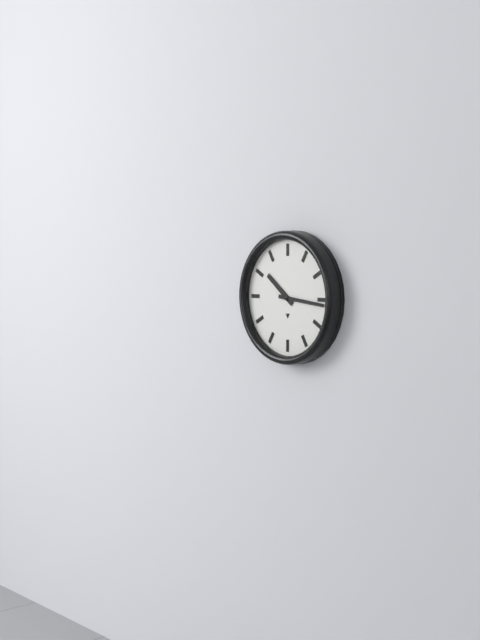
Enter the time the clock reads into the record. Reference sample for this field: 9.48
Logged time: 10.16
